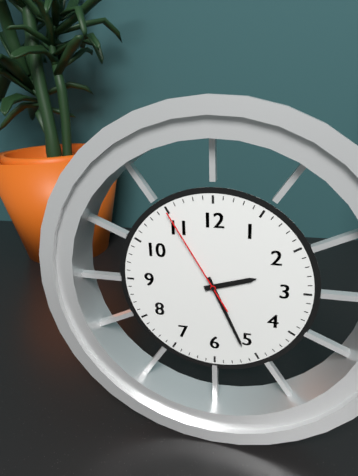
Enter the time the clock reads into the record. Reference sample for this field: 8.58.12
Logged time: 2.26.55
